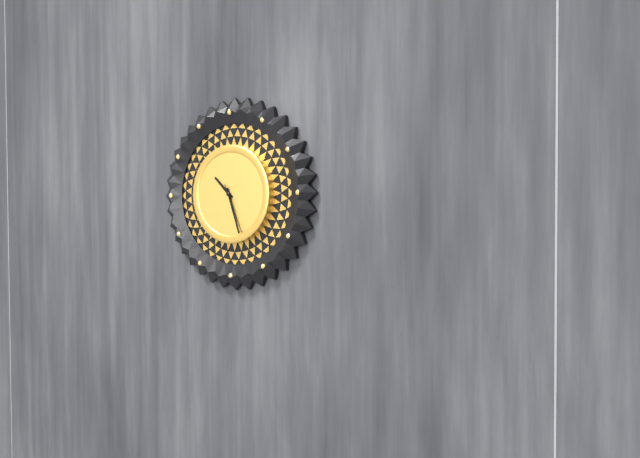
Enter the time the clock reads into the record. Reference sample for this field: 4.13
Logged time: 10.27
